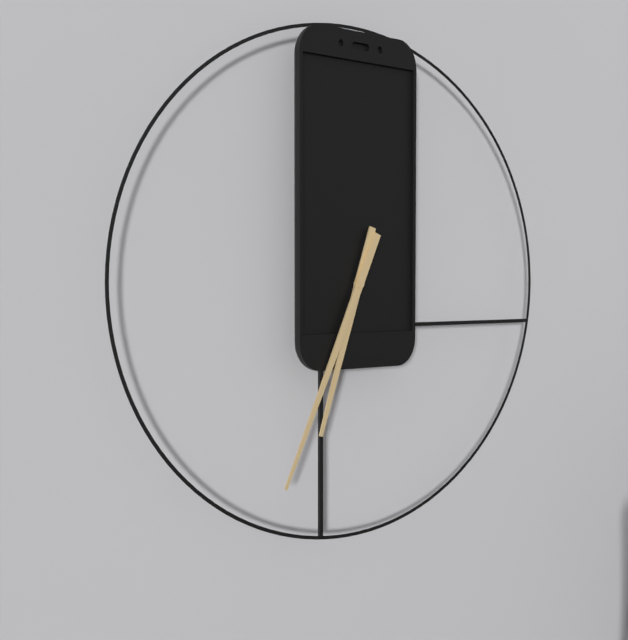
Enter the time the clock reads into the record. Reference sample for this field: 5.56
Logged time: 6.34
